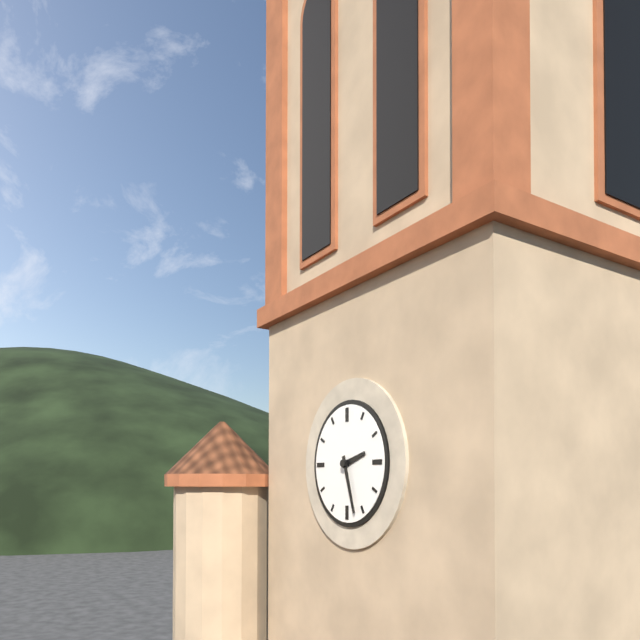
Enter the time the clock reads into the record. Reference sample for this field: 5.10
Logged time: 2.27
